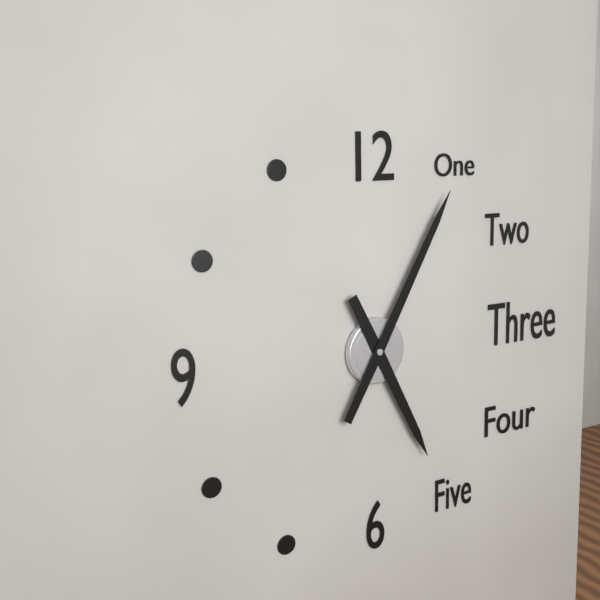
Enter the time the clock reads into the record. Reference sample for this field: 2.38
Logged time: 5.05
